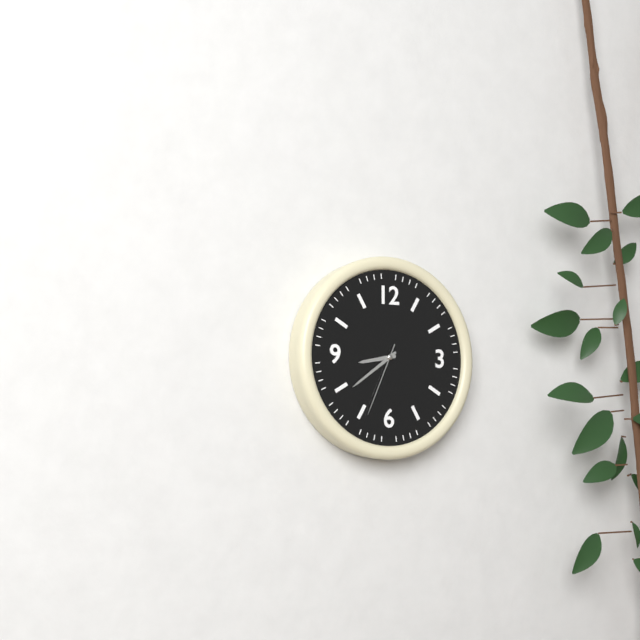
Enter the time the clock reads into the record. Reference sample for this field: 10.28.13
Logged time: 8.39.34
